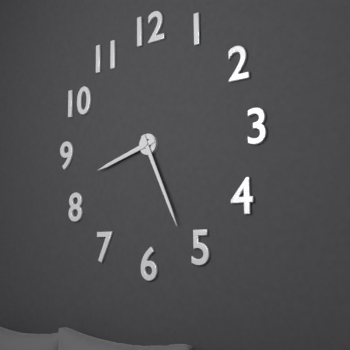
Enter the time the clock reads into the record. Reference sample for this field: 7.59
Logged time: 8.26
